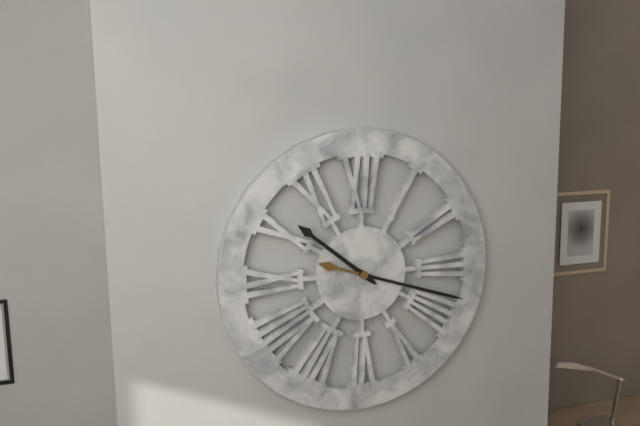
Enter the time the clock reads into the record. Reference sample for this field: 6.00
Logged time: 10.18
